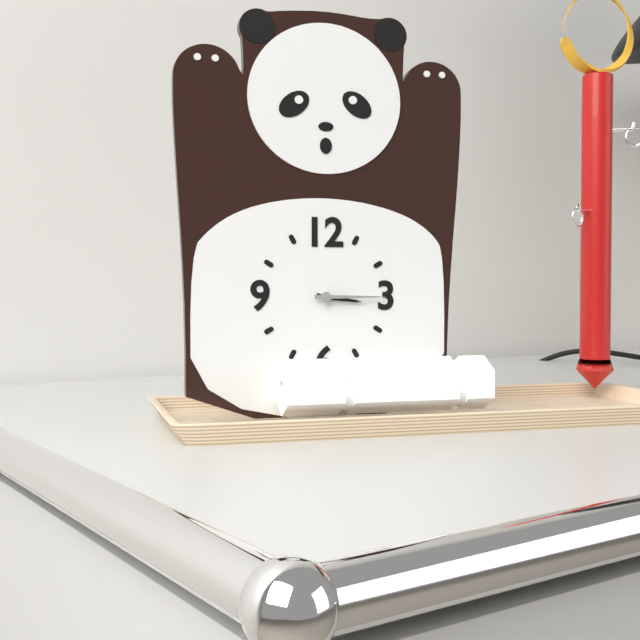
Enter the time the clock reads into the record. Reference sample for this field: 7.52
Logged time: 3.15
